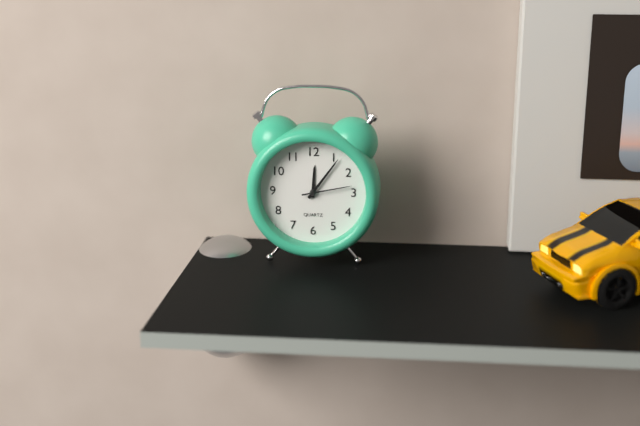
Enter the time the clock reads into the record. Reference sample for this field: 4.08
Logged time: 12.06
